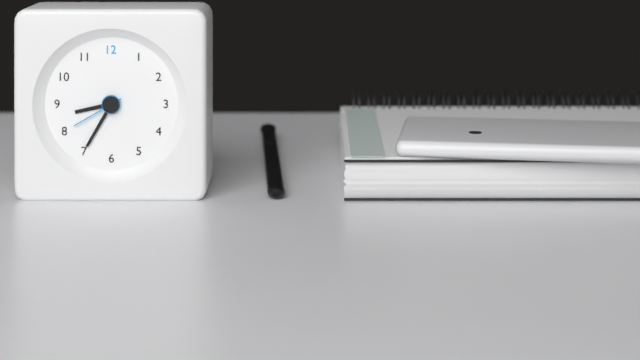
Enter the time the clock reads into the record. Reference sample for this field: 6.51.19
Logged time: 8.35.40
